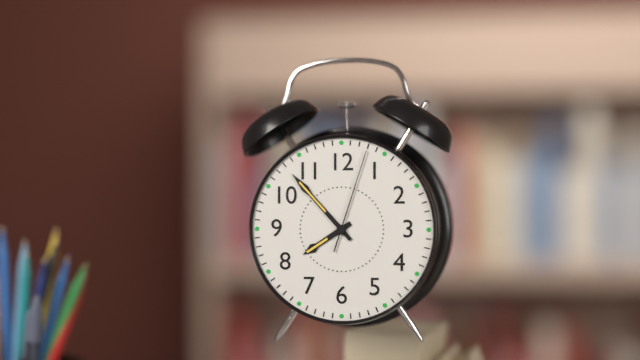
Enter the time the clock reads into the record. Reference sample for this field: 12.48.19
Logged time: 7.53.03
